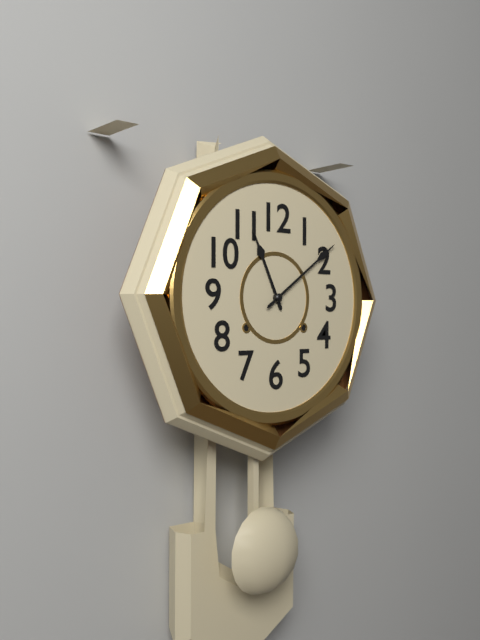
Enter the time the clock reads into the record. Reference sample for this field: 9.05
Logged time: 11.09
